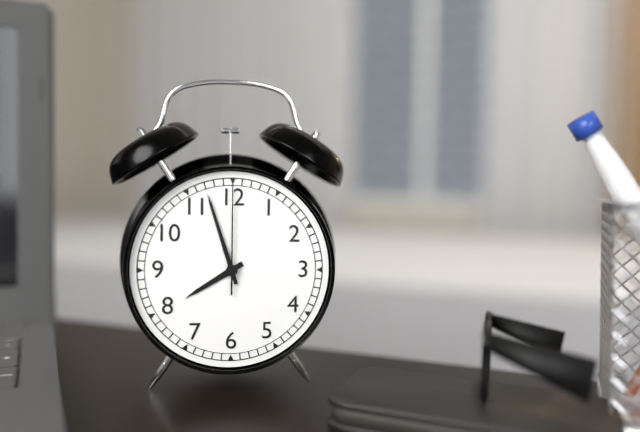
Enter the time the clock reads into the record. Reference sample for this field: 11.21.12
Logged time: 7.57.00
